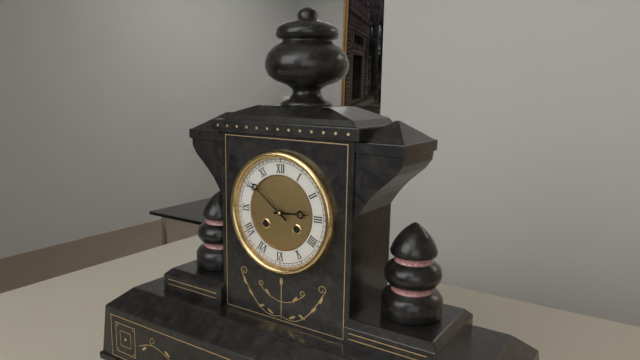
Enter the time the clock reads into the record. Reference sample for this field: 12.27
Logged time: 2.51
